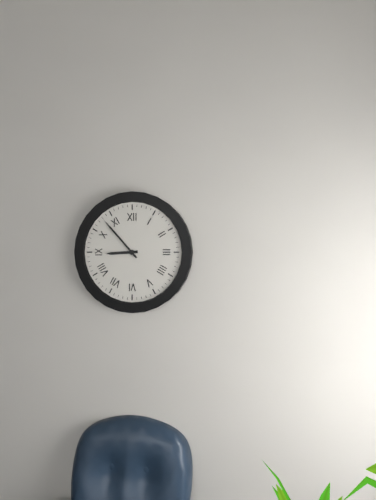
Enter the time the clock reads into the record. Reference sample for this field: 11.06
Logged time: 8.53
